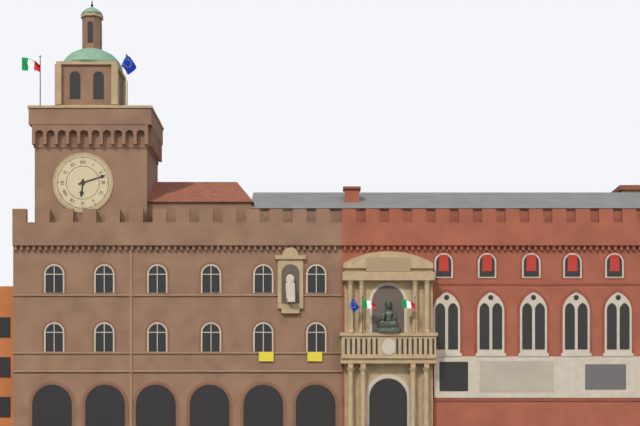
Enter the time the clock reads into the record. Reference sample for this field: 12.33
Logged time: 6.12
